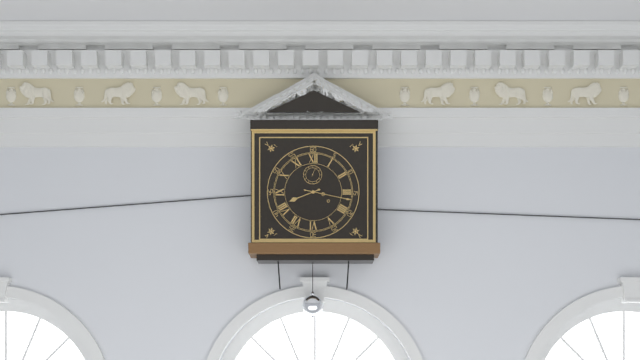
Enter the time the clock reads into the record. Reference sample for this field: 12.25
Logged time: 8.17
